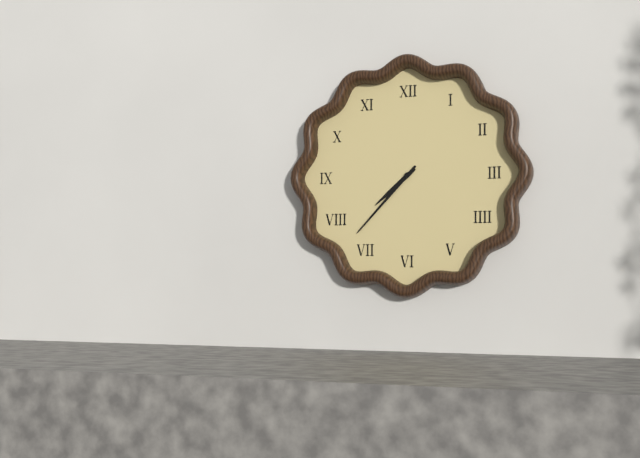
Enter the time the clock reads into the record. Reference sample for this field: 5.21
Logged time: 7.37
